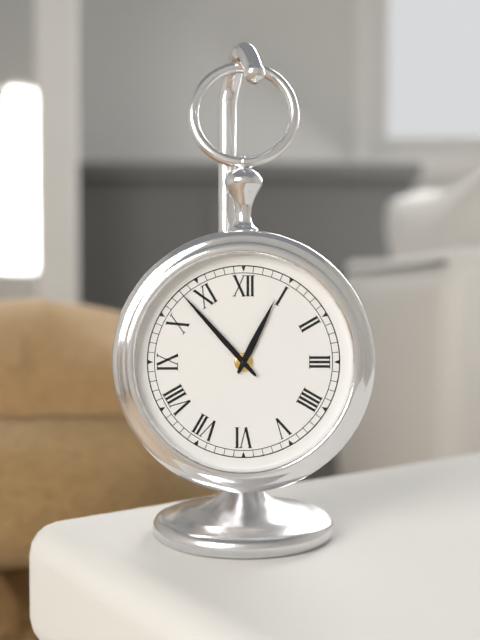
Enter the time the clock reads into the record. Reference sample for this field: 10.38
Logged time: 12.53
